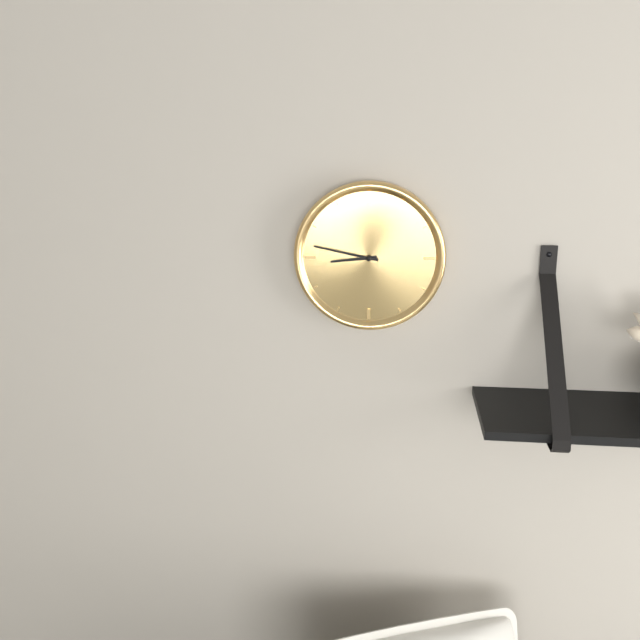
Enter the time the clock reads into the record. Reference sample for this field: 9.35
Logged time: 8.47
